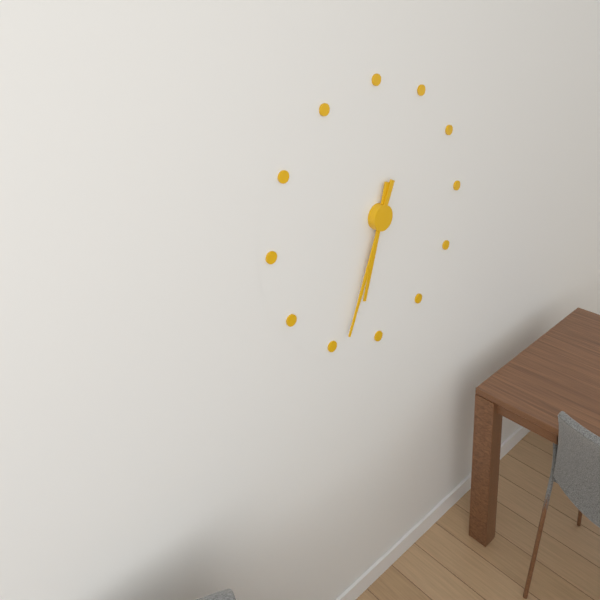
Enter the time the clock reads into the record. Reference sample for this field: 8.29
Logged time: 6.34
